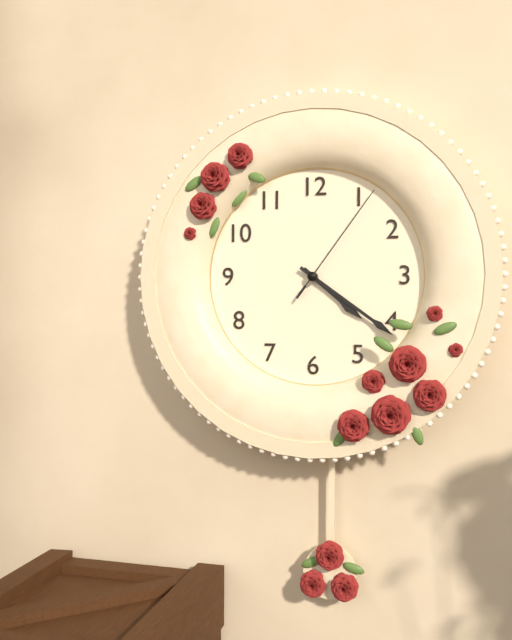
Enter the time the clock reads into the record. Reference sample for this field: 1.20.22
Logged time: 4.21.06
